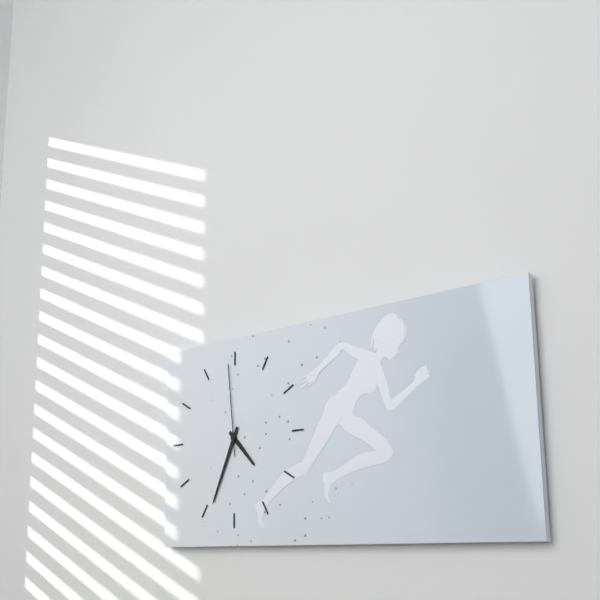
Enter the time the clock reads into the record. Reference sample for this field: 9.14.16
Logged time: 4.34.59
